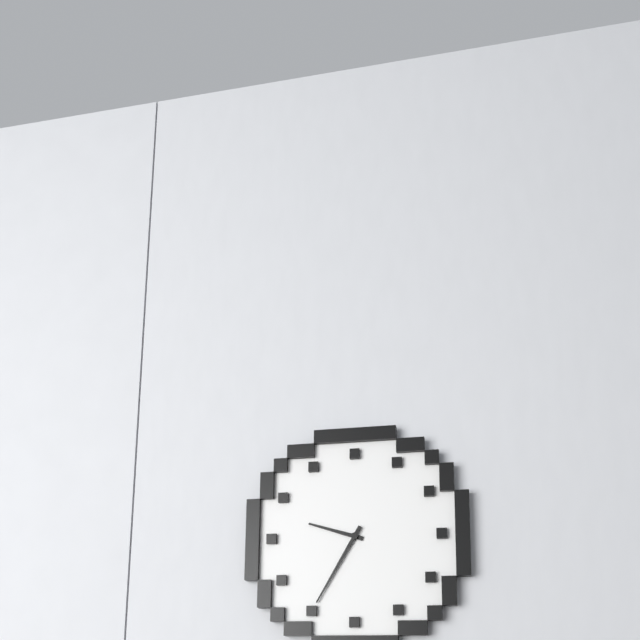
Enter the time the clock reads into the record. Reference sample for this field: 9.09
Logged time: 9.35
